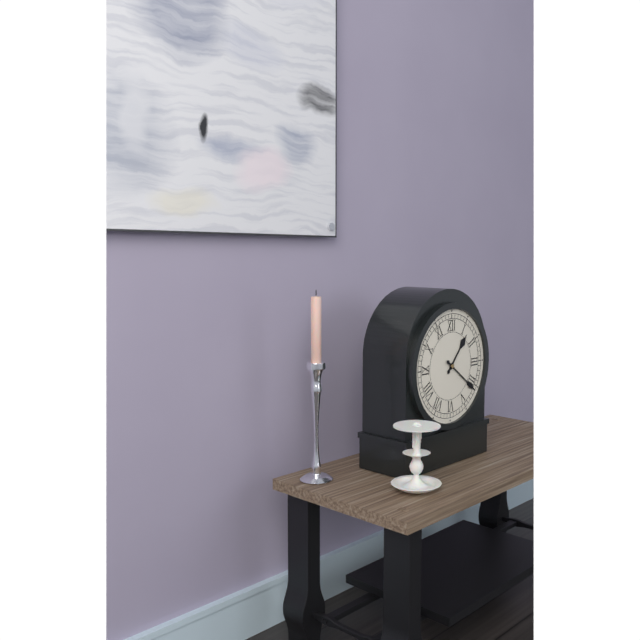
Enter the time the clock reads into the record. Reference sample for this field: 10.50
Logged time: 1.21
